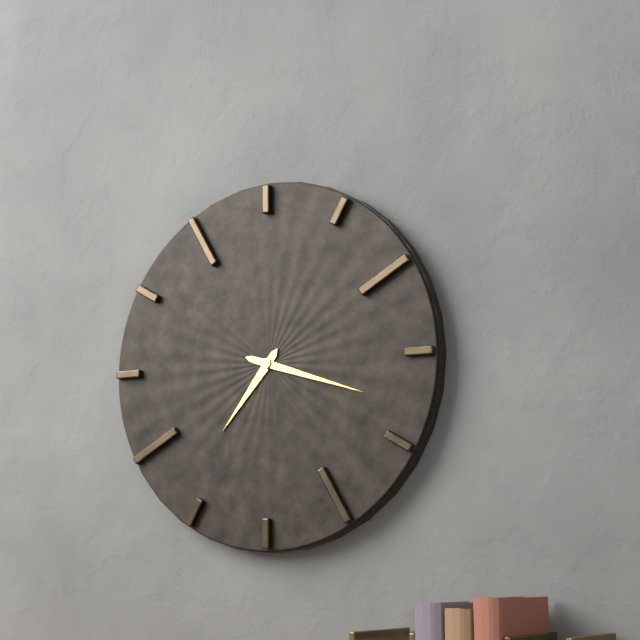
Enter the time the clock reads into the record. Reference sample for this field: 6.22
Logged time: 7.18
